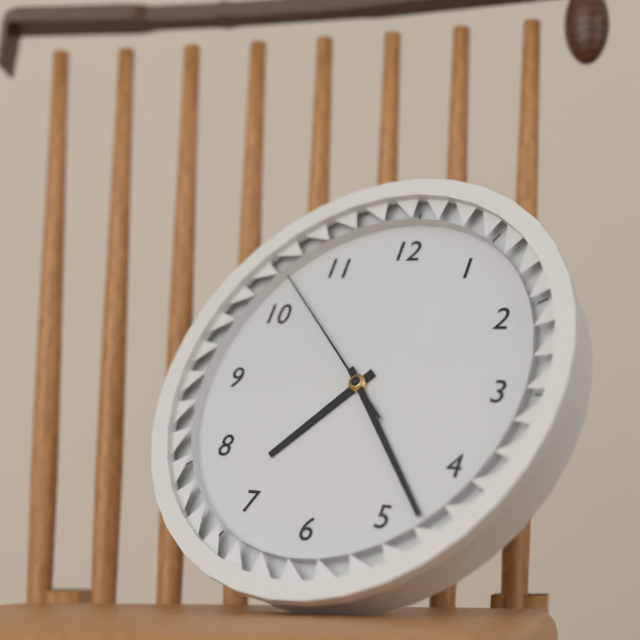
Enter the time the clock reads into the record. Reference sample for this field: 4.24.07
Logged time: 7.23.52
